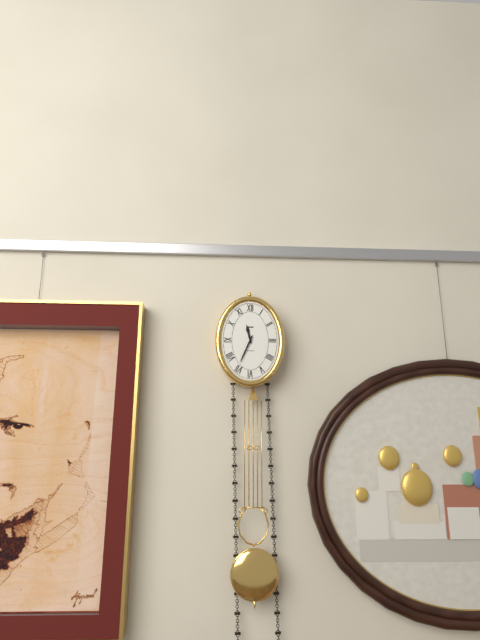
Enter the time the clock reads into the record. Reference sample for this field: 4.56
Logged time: 11.34
